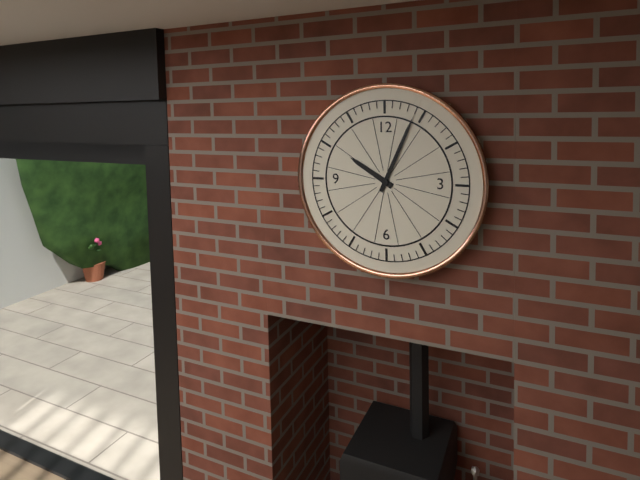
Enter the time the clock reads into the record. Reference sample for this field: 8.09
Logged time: 10.04
